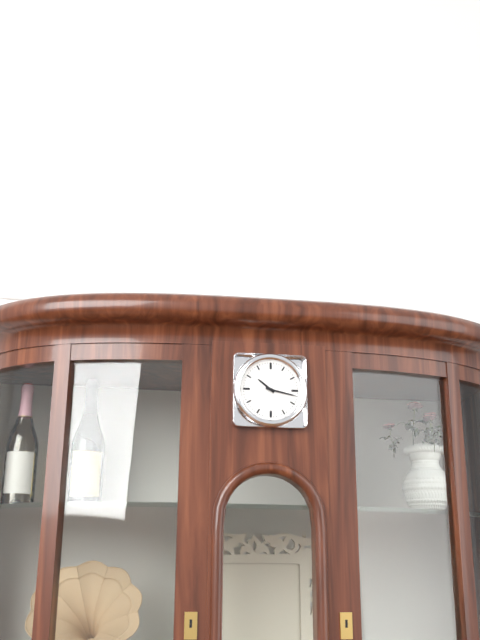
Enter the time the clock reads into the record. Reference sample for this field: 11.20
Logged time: 10.17
